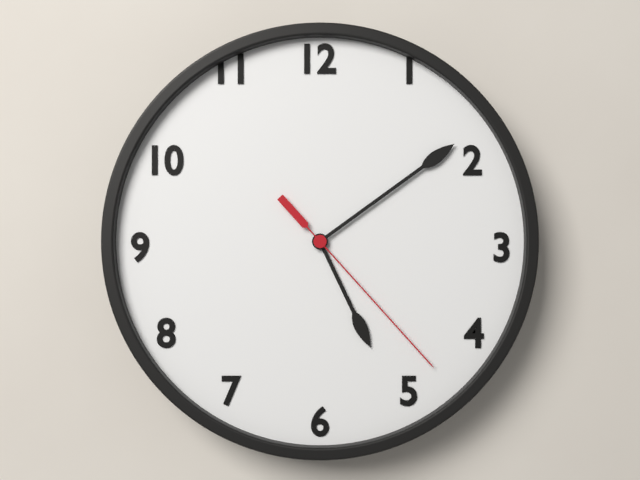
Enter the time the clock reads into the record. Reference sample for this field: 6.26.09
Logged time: 5.09.23
